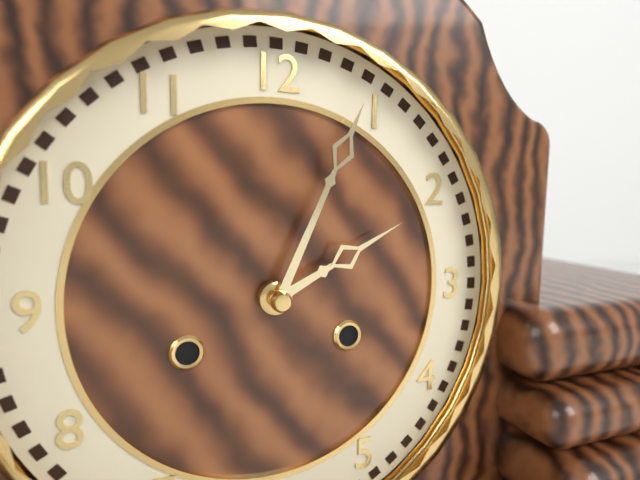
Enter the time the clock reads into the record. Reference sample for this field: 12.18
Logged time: 2.04
